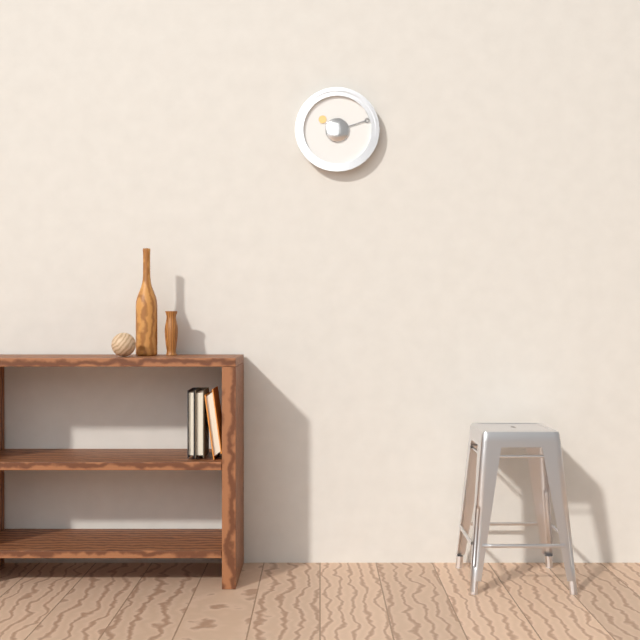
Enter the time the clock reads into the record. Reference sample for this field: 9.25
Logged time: 10.12
